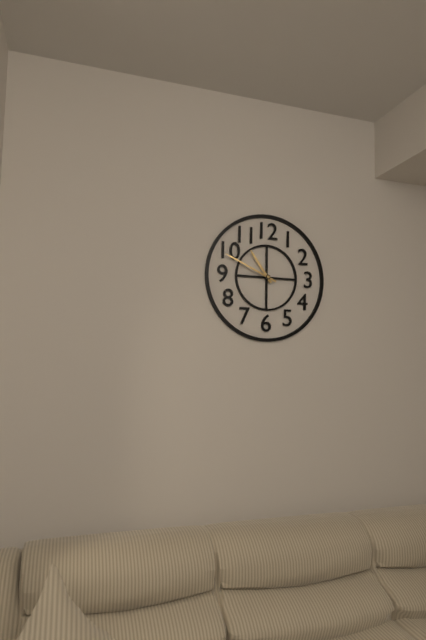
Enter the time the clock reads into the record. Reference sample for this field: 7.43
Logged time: 10.49
